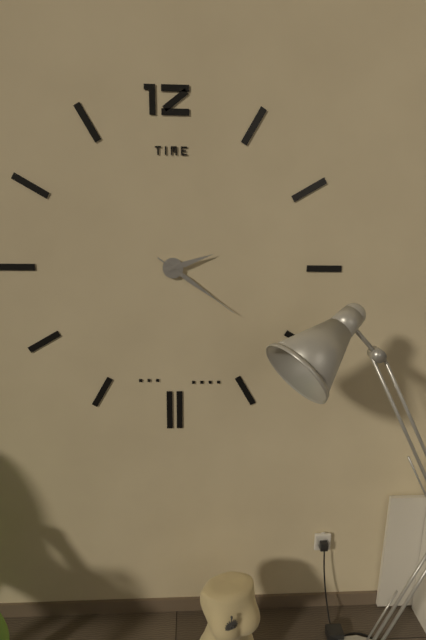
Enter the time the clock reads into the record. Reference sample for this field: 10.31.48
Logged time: 2.21.21
